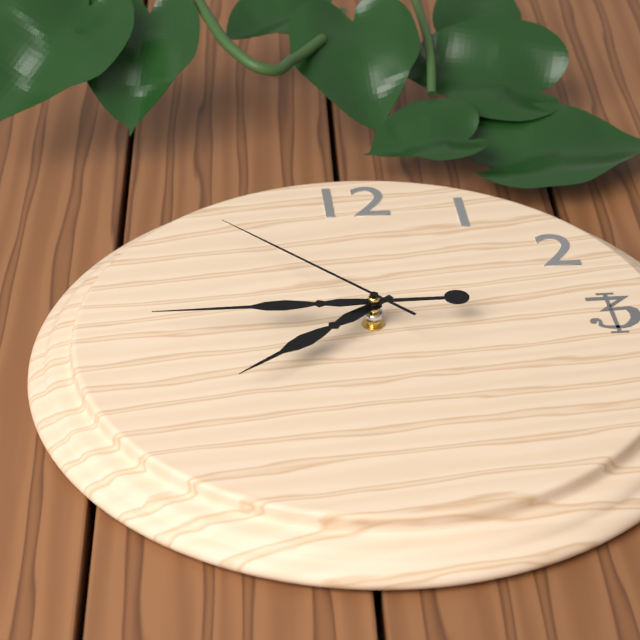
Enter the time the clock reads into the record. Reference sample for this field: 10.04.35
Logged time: 7.45.53
